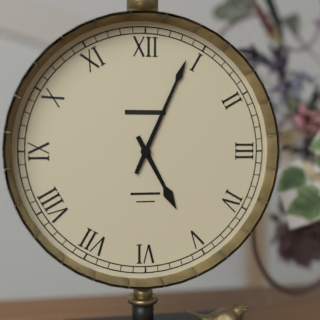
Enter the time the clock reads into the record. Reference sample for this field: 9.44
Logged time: 5.04
